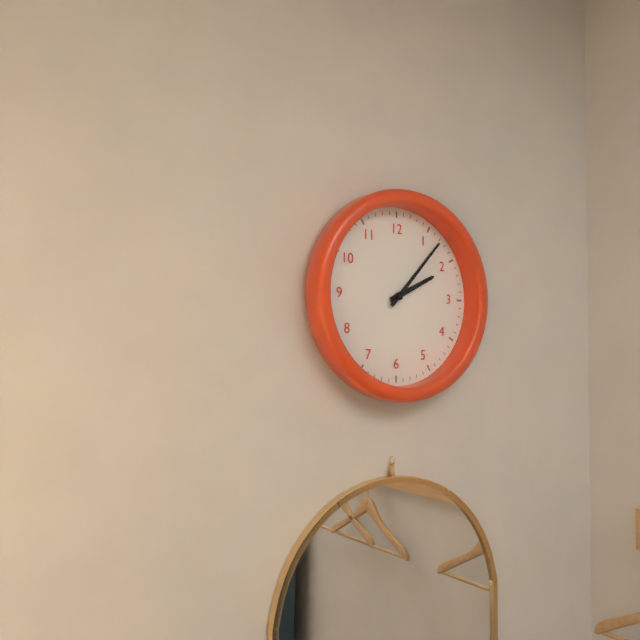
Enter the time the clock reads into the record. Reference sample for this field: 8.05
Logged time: 2.07
